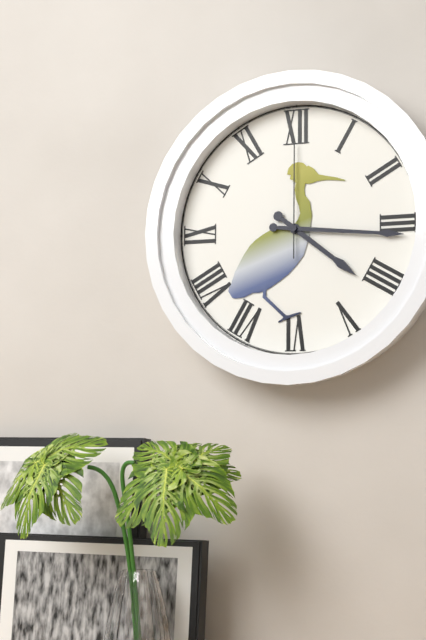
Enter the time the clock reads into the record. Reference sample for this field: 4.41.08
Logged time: 4.16.00
